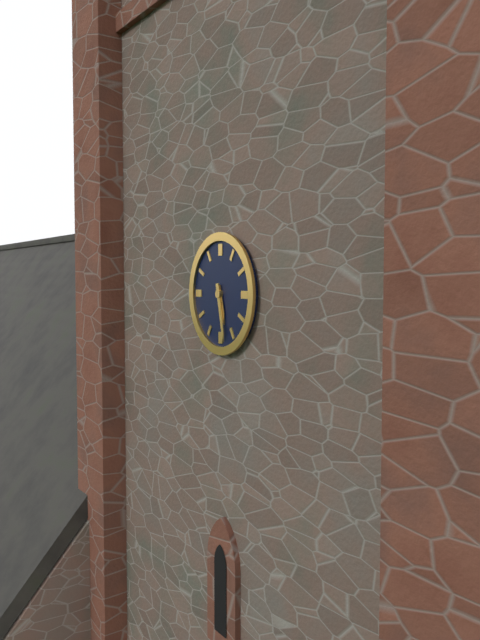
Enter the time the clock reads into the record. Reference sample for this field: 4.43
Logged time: 5.28
